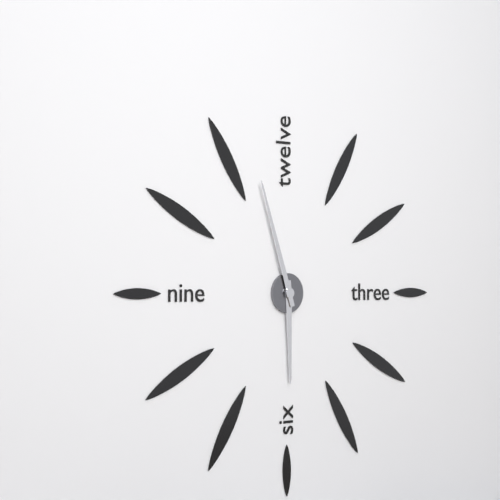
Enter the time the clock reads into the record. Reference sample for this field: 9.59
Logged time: 5.57
